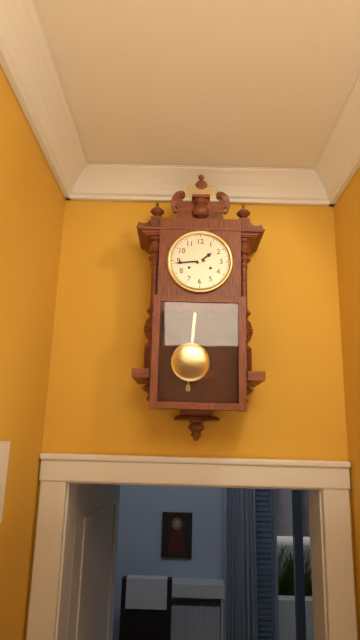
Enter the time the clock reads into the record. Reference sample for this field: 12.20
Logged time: 1.44
